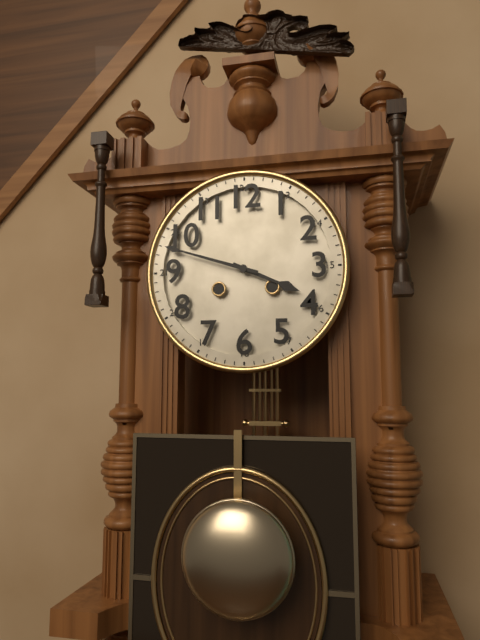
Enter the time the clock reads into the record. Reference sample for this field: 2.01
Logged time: 3.48
